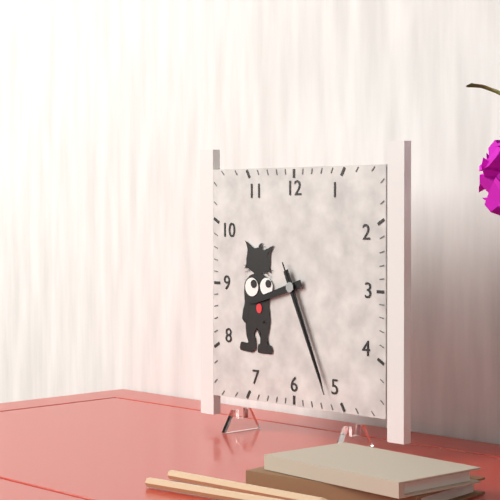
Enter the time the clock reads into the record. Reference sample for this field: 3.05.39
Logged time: 8.26.26
